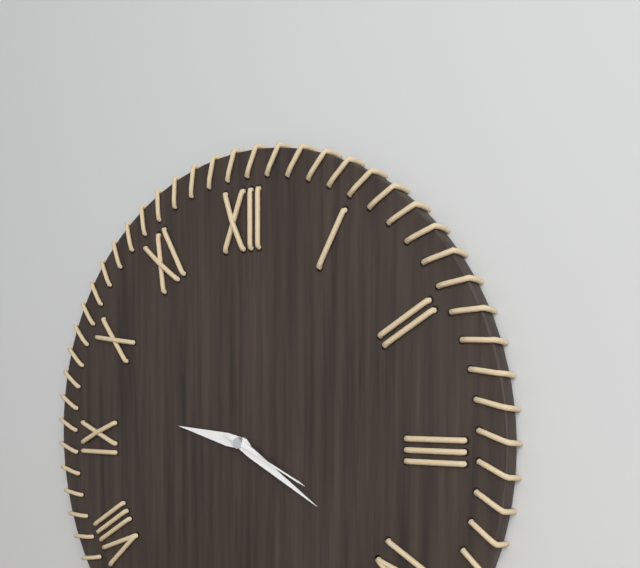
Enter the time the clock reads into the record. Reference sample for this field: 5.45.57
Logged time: 9.20.19
